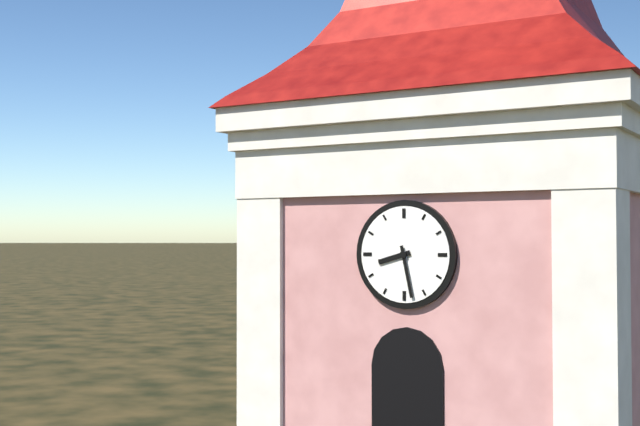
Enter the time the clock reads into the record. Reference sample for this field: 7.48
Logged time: 8.28
